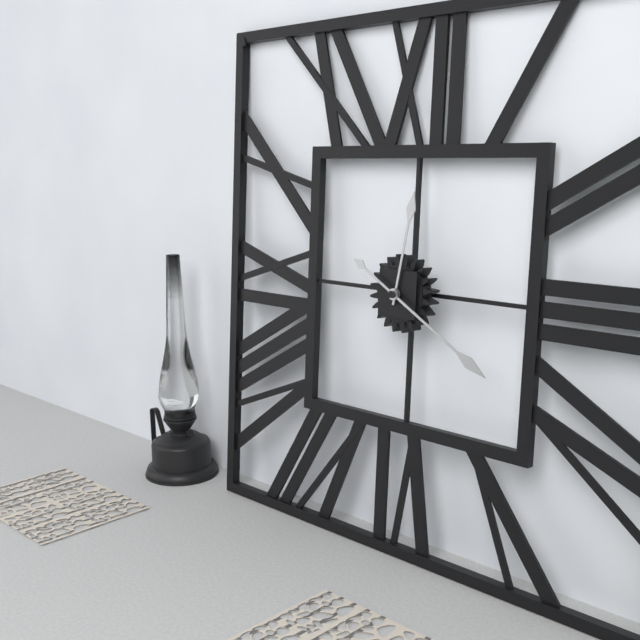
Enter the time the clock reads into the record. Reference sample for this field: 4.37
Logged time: 12.20
